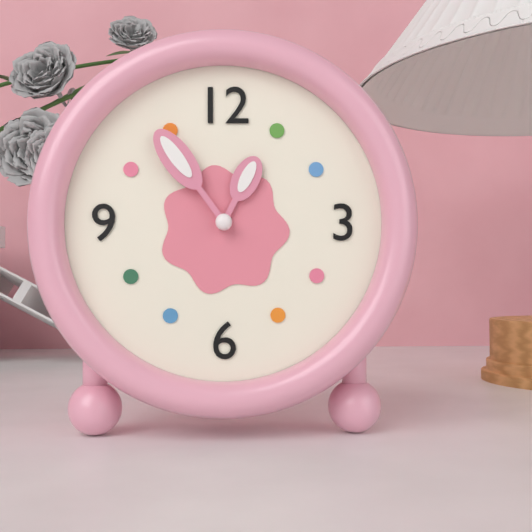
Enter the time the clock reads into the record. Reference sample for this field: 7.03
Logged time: 12.54
